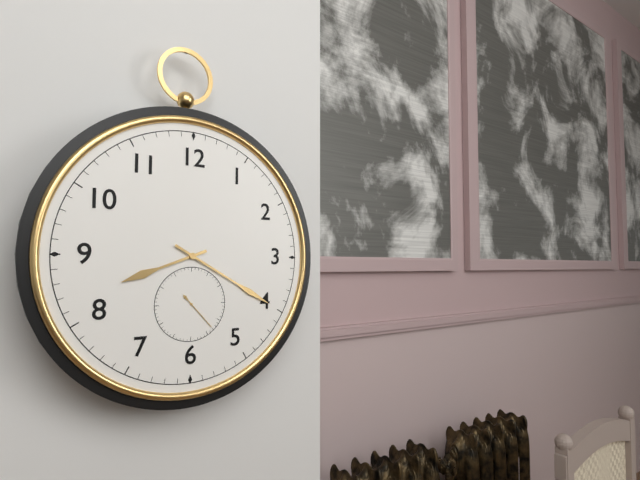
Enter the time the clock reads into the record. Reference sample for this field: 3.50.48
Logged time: 8.20.23
